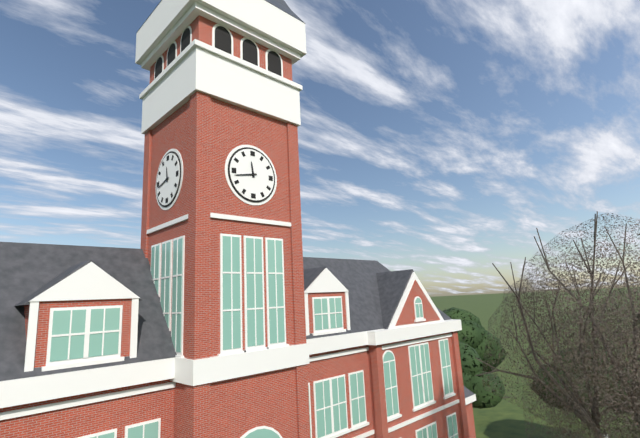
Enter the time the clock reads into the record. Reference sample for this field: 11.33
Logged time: 11.43
